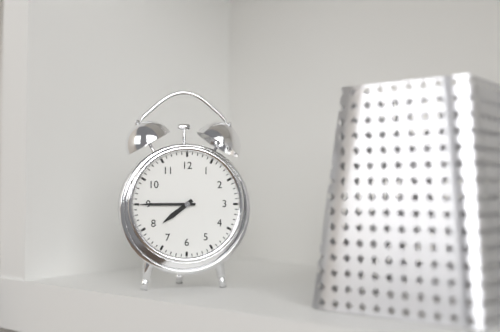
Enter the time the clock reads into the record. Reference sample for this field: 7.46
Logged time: 7.45
